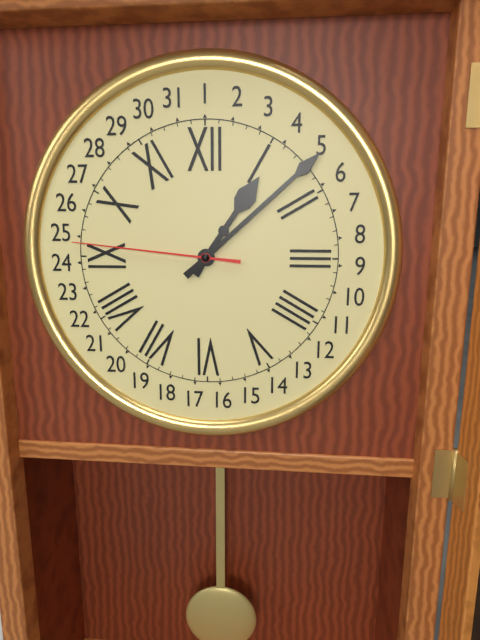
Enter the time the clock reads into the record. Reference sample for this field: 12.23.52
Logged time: 1.08.46
